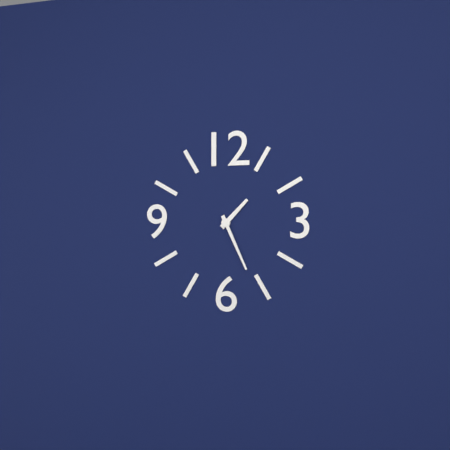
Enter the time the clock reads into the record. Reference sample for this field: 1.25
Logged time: 1.26
